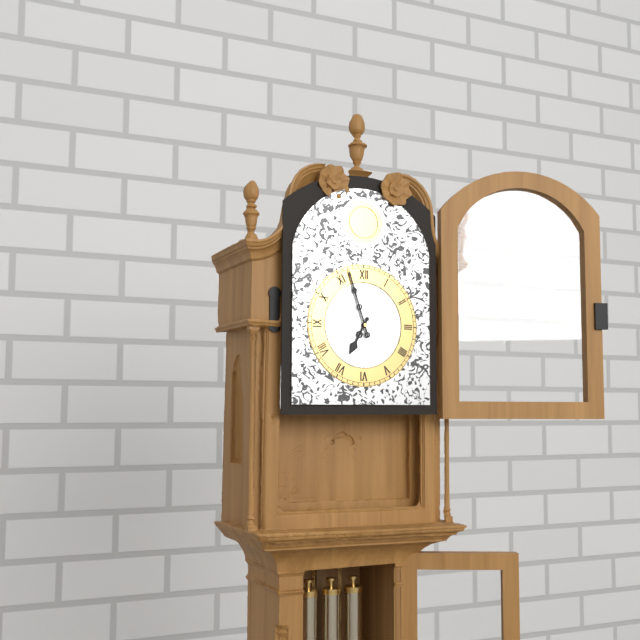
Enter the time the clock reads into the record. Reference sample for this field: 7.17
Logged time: 6.57
